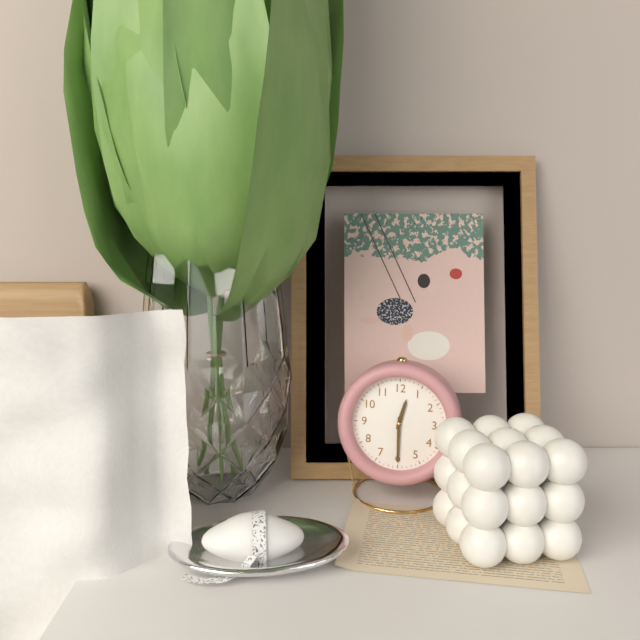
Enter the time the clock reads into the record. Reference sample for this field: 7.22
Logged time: 12.30
